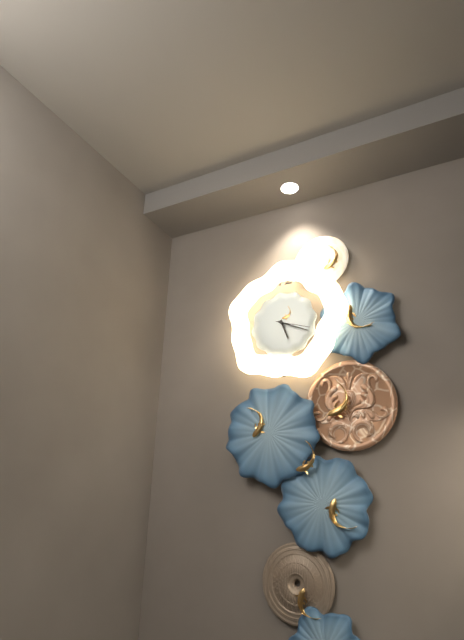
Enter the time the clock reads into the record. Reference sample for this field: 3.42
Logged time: 5.19
